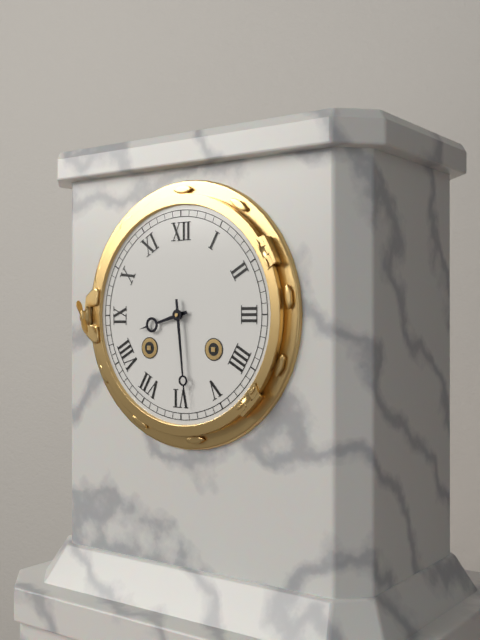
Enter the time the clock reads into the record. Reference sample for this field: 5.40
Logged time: 8.29
